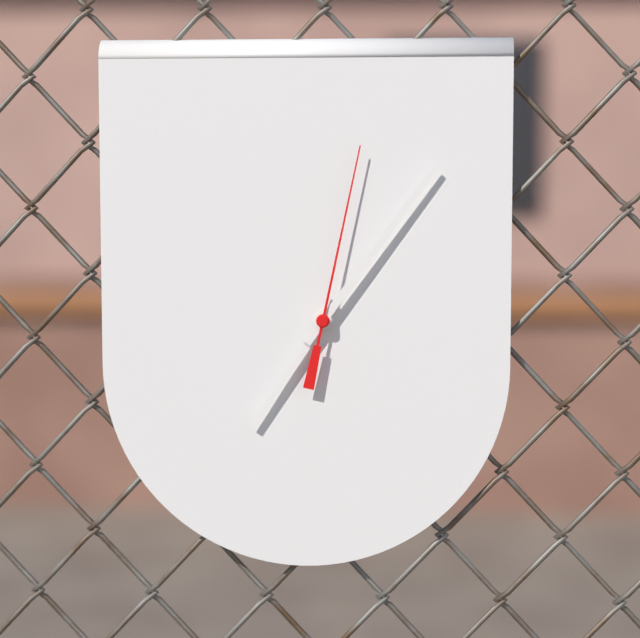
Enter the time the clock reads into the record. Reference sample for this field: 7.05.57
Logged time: 7.06.02
